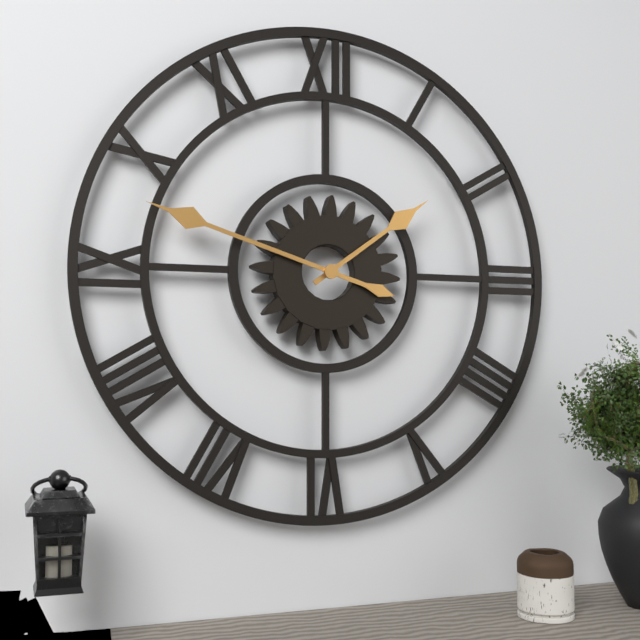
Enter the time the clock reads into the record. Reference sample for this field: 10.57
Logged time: 1.48
